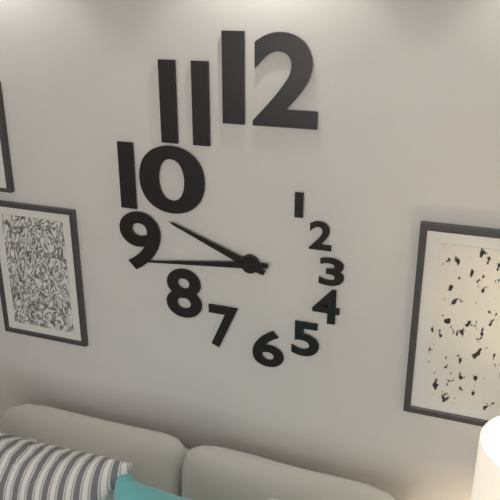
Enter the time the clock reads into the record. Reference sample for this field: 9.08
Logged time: 9.44
